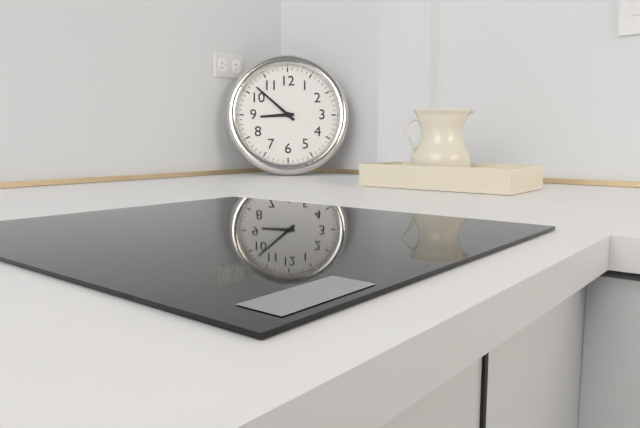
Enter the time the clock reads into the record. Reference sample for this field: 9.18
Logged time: 8.52
